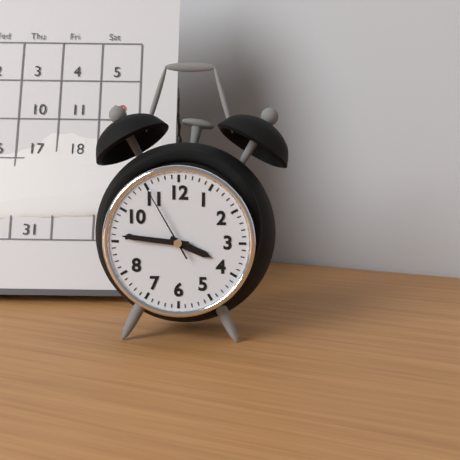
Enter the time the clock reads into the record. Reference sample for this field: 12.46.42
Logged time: 3.46.55
